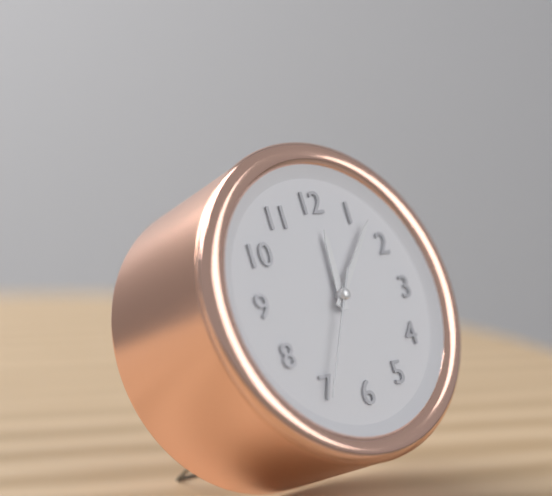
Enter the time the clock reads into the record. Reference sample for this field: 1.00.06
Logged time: 12.07.35
